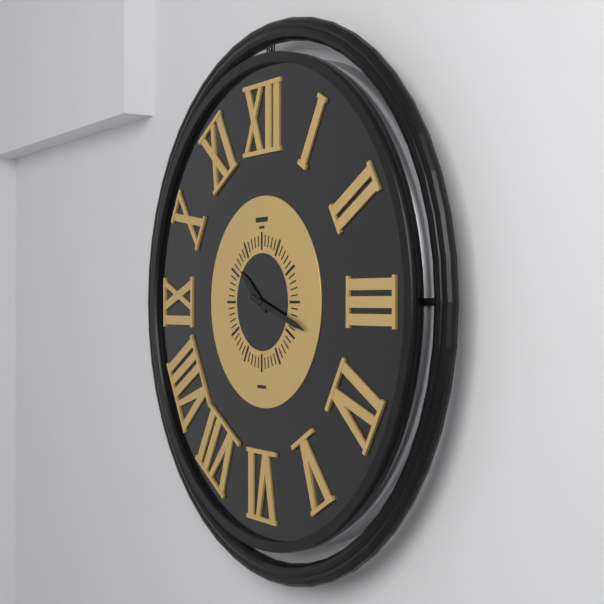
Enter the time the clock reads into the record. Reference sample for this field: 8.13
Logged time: 10.18
